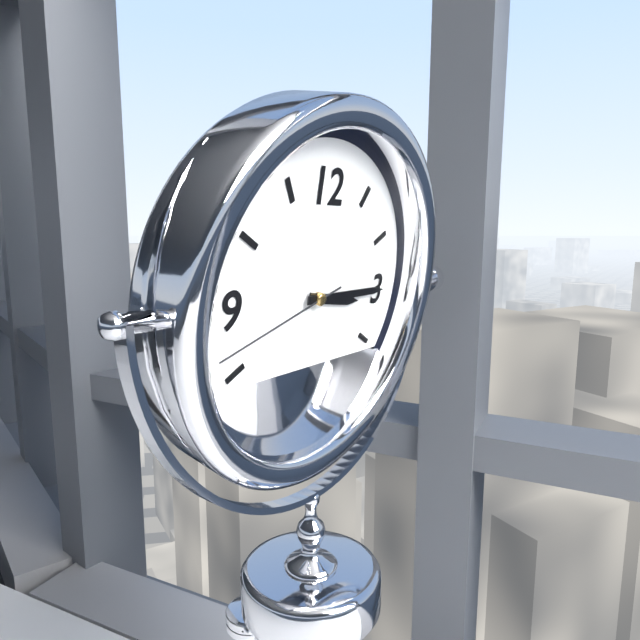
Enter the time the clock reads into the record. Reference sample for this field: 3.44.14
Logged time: 3.15.42
